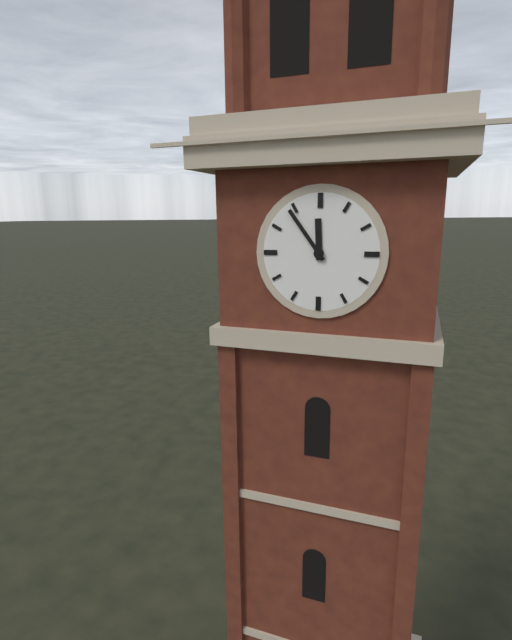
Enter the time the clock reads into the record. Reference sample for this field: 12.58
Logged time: 11.54
